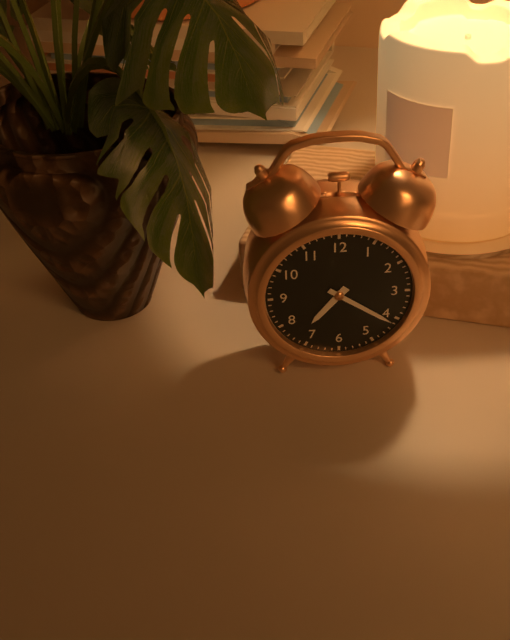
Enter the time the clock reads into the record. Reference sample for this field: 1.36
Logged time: 7.21
